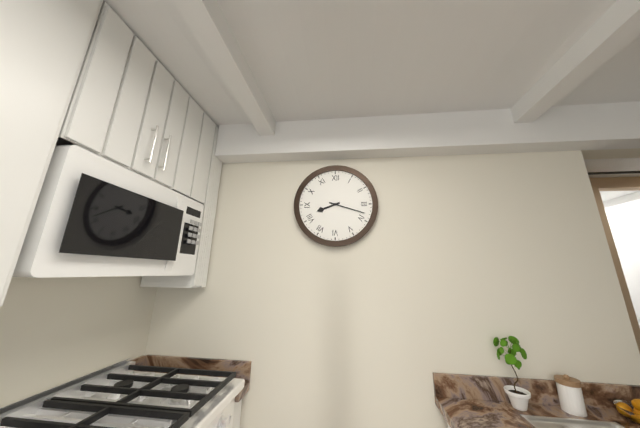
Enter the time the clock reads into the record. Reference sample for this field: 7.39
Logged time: 8.18
